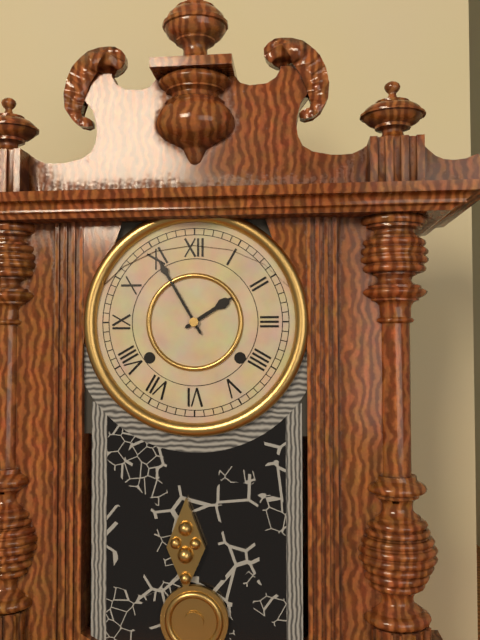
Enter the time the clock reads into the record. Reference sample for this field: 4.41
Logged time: 1.55
